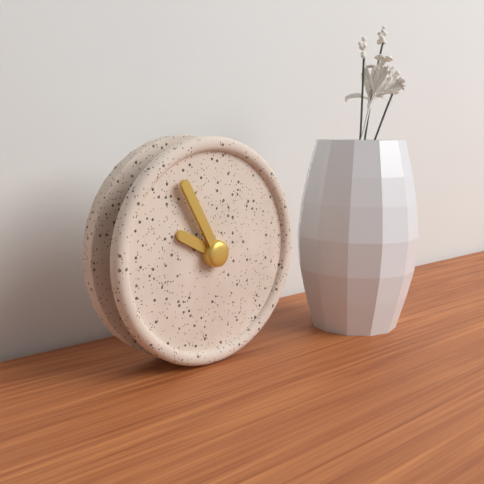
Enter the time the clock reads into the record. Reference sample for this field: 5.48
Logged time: 9.55
